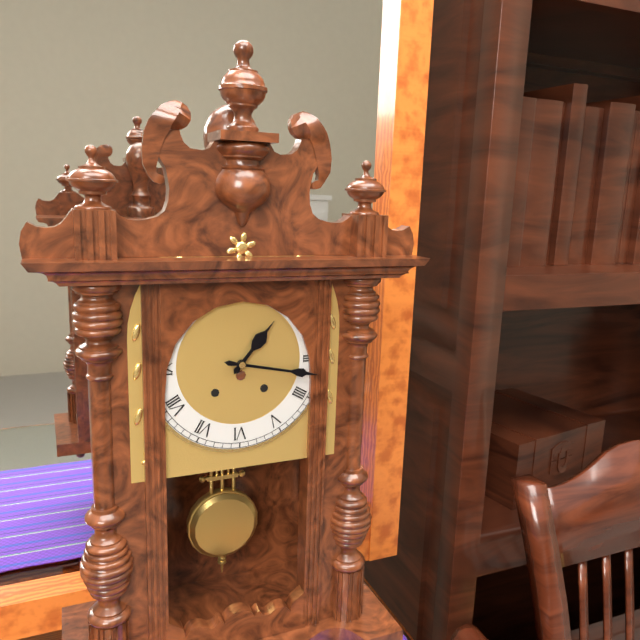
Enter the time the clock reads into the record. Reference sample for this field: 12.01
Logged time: 1.17
